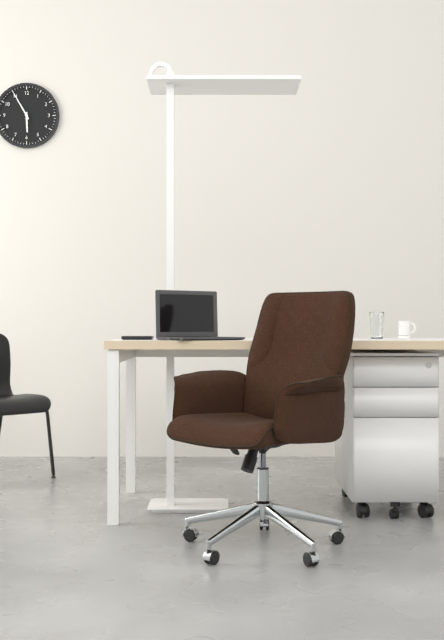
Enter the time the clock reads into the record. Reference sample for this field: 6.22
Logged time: 5.55
